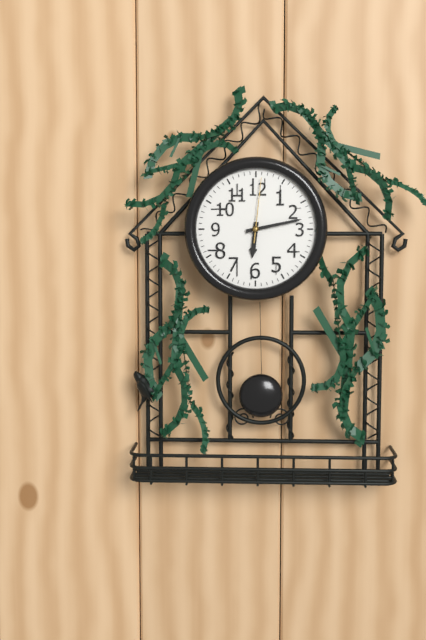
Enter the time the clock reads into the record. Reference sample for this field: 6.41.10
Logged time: 6.13.01
